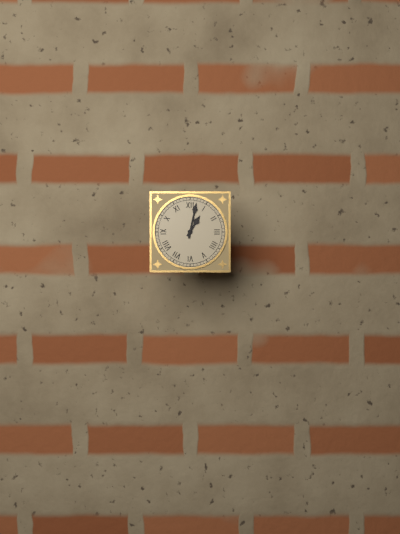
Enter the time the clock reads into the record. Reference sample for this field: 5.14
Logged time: 1.02
